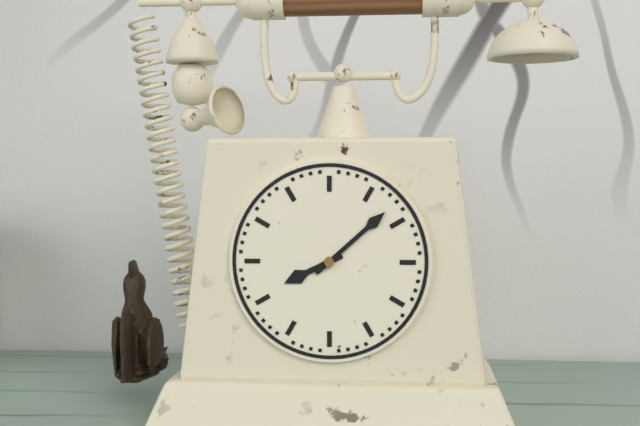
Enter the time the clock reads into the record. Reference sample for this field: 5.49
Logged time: 8.08
